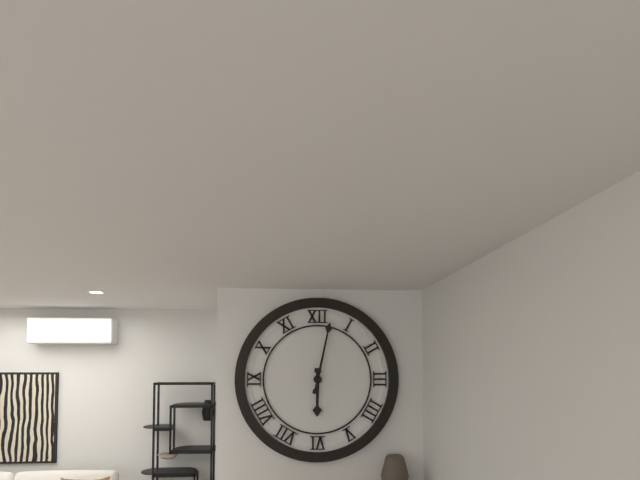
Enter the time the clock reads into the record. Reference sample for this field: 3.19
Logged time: 6.02
